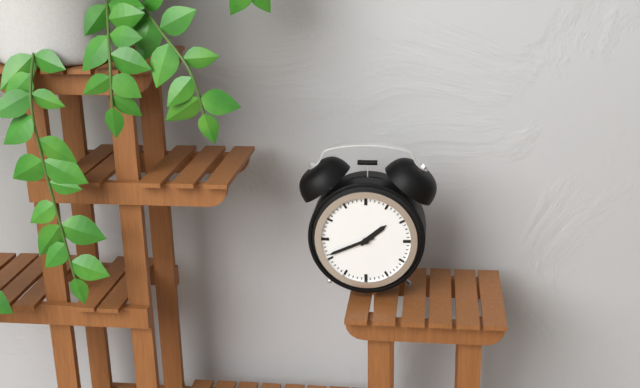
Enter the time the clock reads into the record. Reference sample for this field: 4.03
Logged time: 1.41
